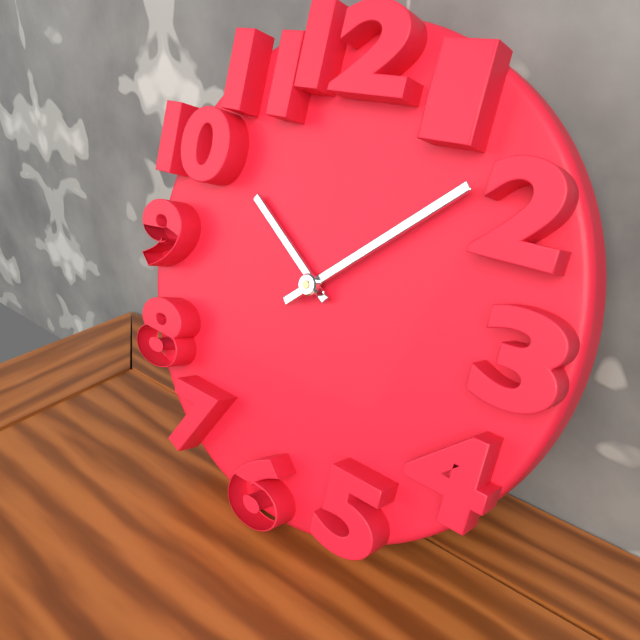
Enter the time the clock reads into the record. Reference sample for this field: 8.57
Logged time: 10.08
